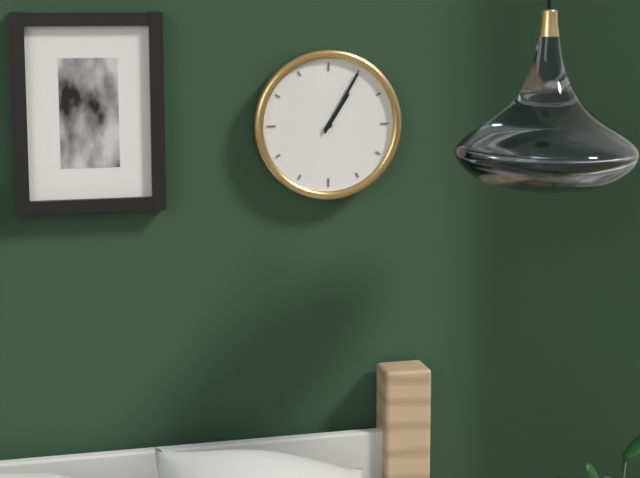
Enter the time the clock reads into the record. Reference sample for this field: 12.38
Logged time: 1.05
